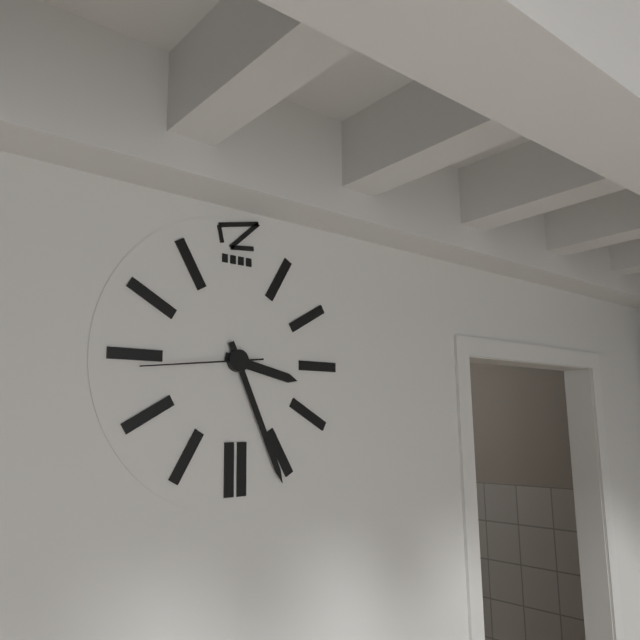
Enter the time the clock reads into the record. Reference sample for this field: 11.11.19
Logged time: 3.26.44
